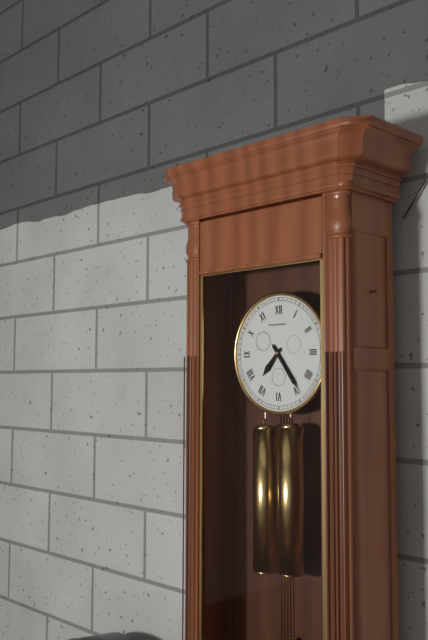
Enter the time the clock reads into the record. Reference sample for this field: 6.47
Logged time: 7.24
